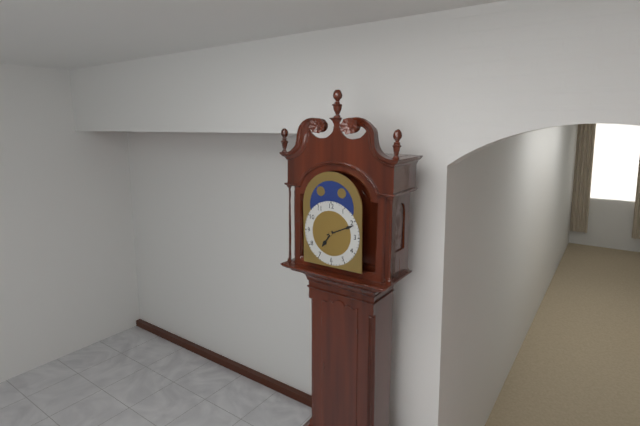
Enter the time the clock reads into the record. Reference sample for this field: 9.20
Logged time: 7.11
